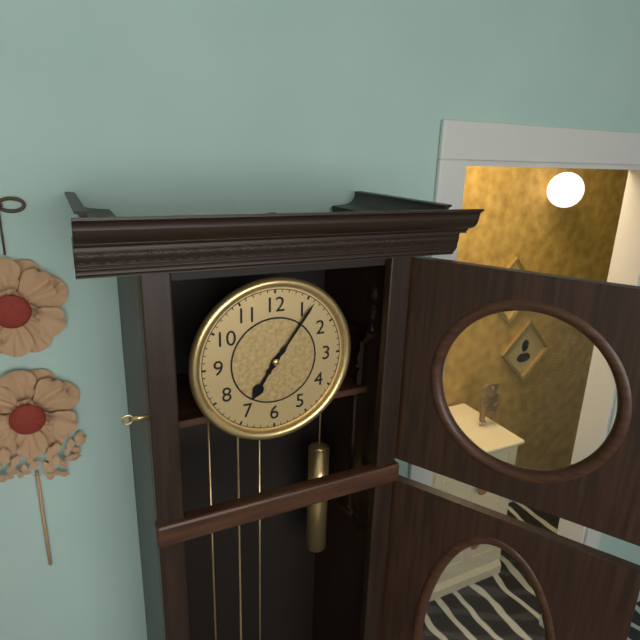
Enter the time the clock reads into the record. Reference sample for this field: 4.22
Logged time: 7.06
